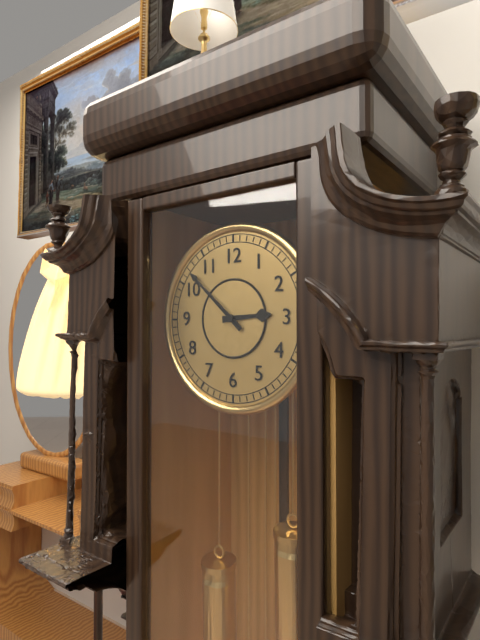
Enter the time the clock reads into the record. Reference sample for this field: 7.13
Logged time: 2.52
